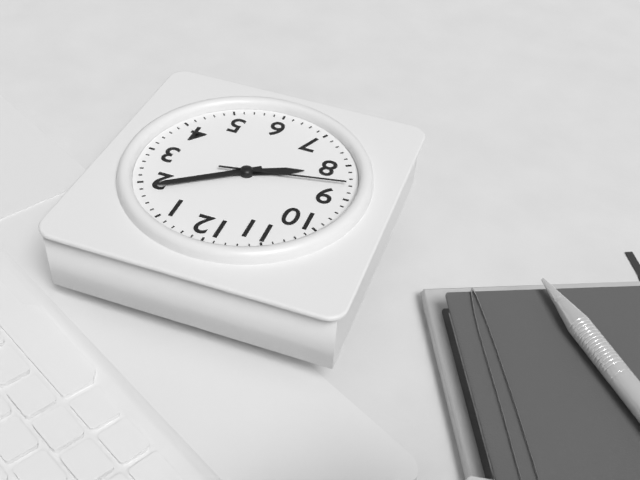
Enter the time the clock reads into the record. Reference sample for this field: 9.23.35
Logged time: 8.09.43
